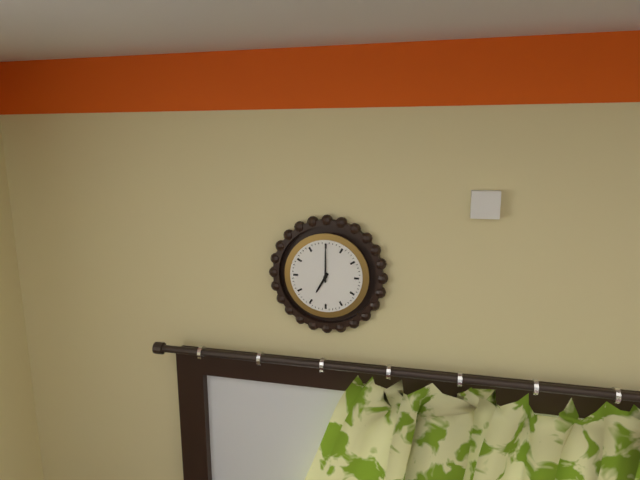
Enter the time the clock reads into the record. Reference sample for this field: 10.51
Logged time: 7.00
